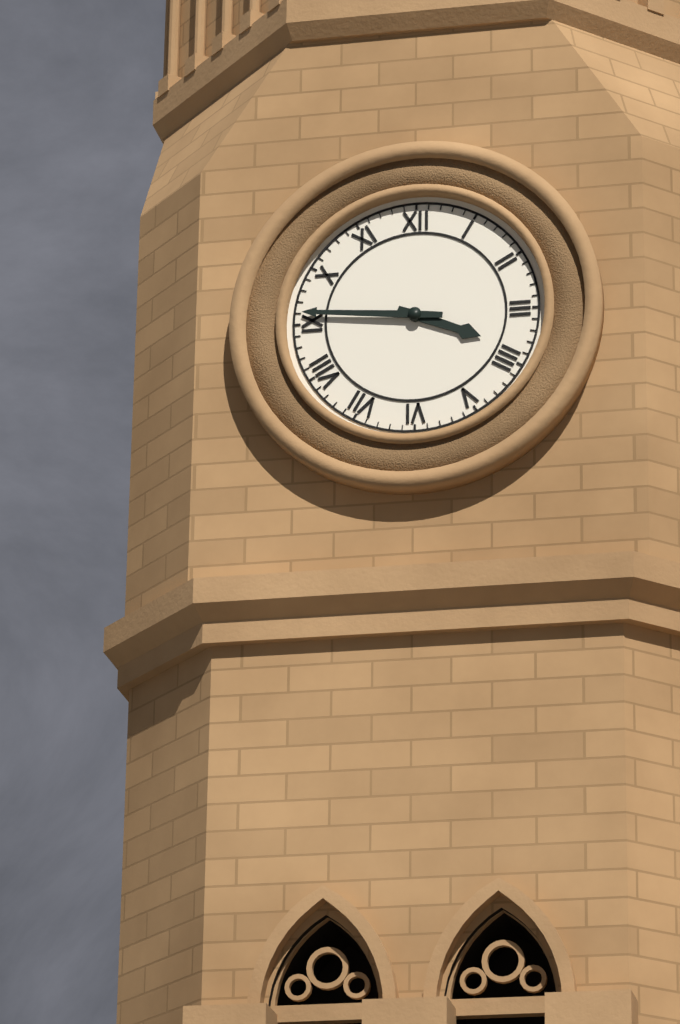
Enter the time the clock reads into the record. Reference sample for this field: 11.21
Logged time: 3.46
